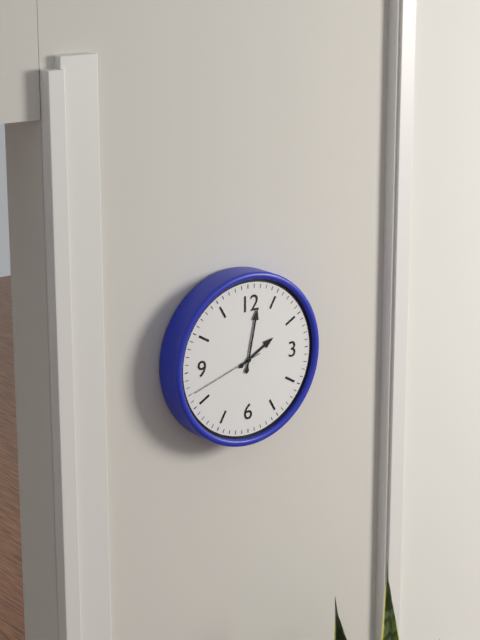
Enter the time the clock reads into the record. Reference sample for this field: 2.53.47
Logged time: 2.02.42
